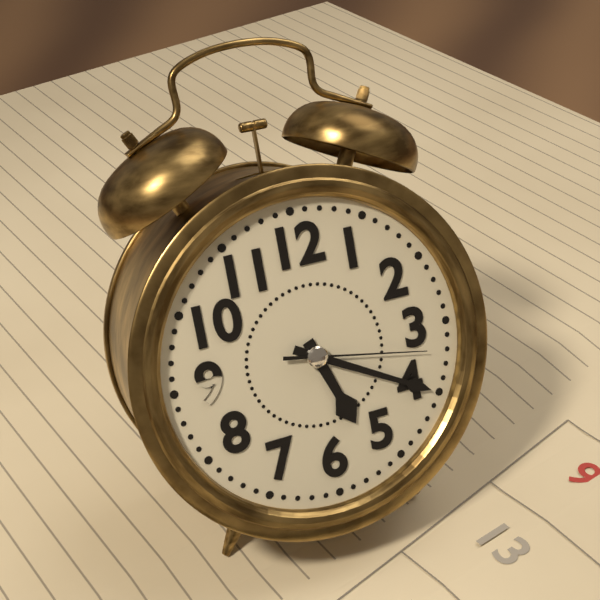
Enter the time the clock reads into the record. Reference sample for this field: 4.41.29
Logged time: 5.20.17
